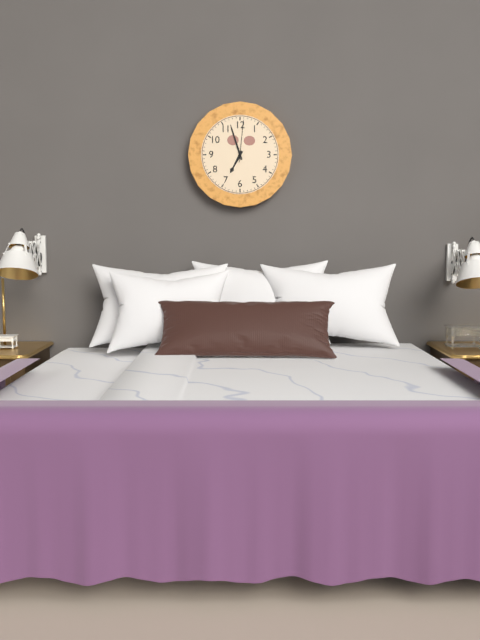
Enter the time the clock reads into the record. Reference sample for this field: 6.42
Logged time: 6.57
